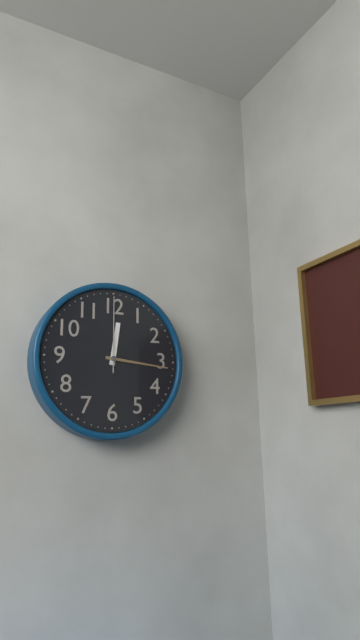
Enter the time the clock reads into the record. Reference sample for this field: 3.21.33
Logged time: 12.16.00
